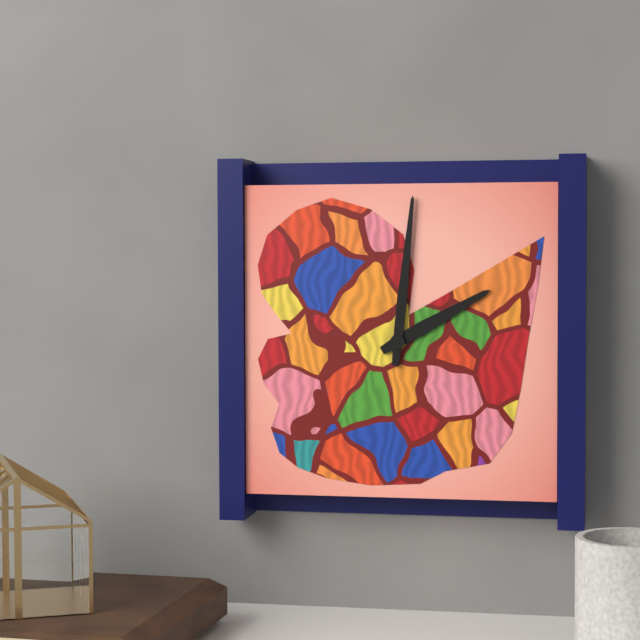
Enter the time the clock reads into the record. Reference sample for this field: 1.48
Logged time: 2.01
